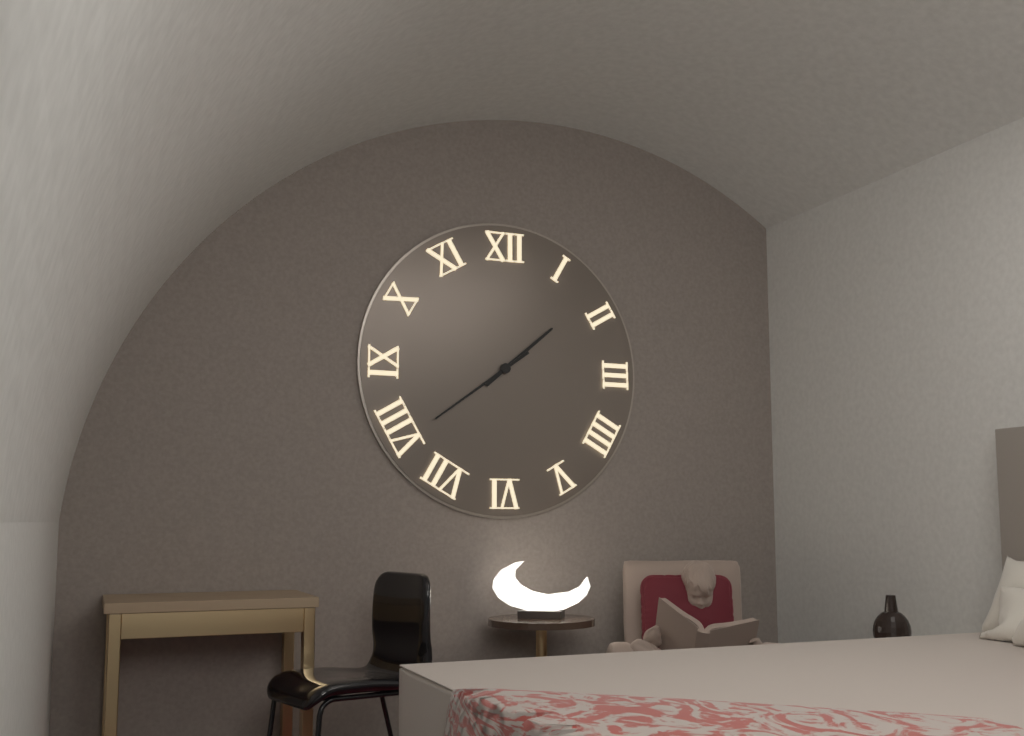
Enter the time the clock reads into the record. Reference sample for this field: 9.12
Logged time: 1.39
